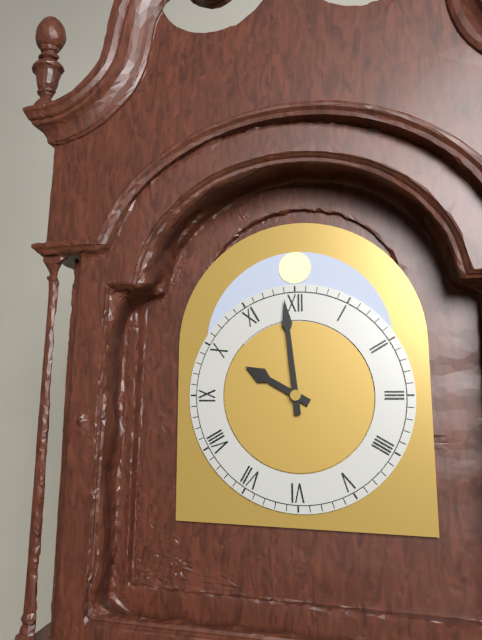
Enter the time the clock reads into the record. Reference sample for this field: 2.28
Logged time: 9.59
